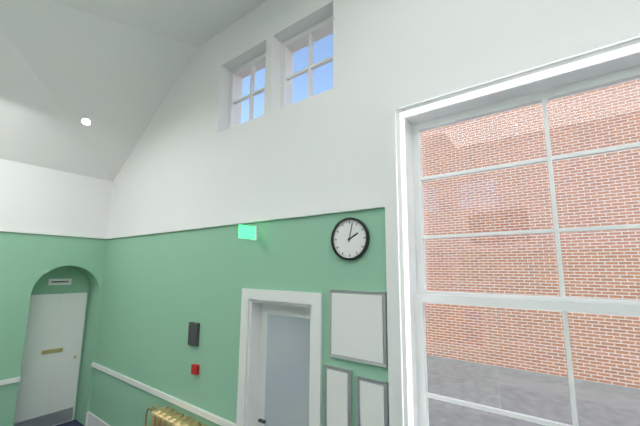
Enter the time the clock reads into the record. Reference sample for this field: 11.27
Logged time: 2.02
